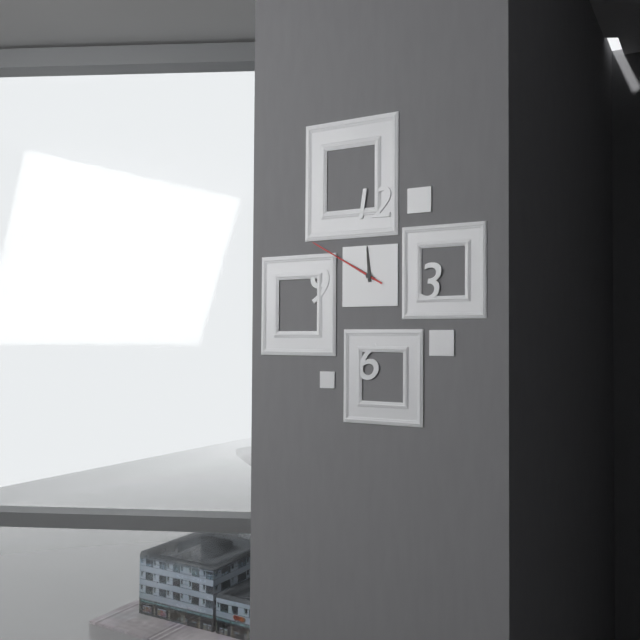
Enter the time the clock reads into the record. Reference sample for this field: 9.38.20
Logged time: 11.50.50
